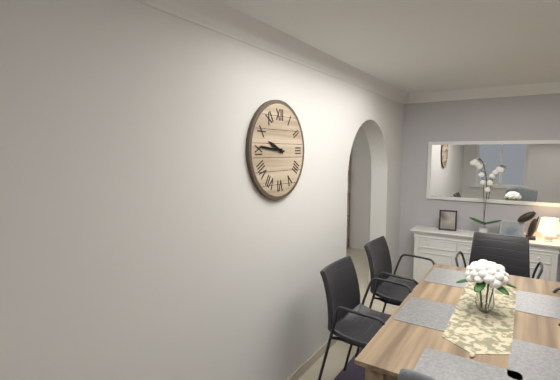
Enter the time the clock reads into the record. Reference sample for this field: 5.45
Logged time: 9.46
